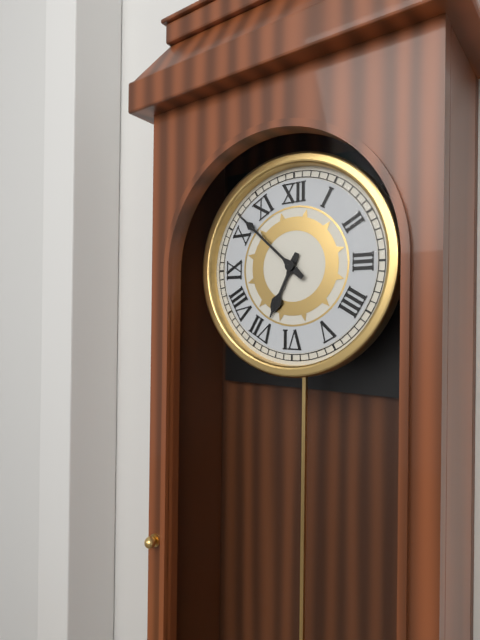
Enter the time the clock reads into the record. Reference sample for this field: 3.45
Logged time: 6.52
